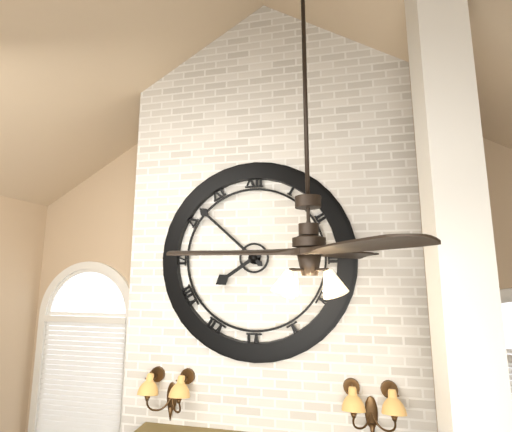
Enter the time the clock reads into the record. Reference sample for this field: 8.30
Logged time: 7.52
